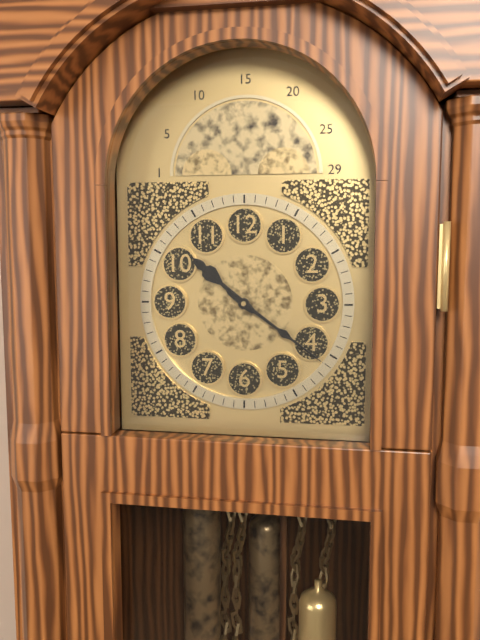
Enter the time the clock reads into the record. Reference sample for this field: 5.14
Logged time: 10.21
